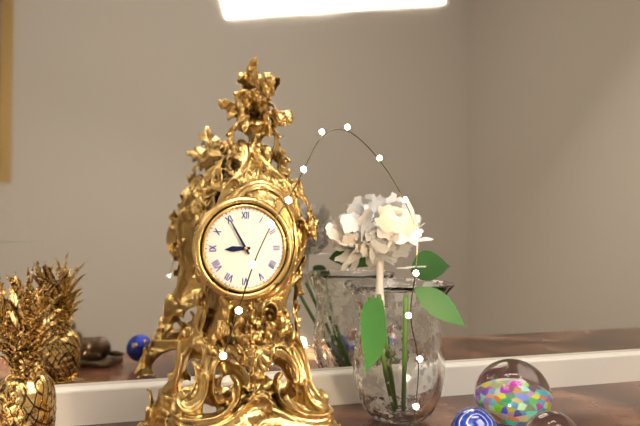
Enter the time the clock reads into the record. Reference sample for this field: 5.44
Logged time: 8.55
